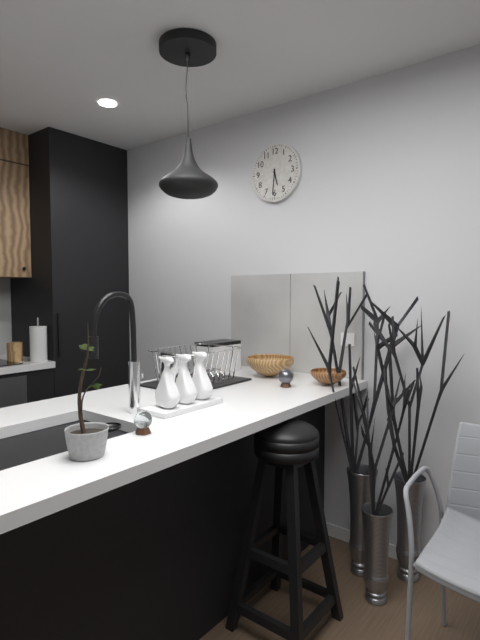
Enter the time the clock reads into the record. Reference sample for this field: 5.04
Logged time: 5.31
